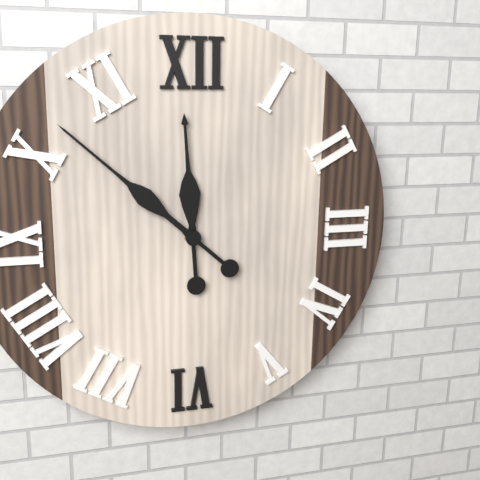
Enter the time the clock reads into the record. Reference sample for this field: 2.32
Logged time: 11.52
